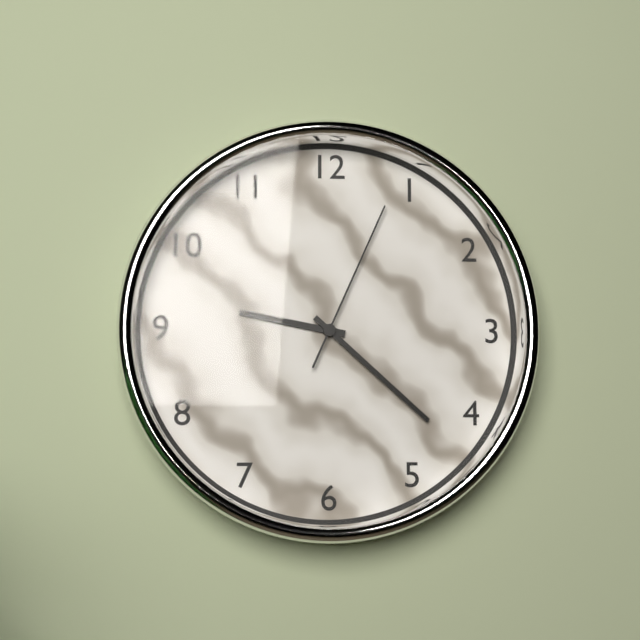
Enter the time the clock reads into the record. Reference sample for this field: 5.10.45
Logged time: 9.22.04
